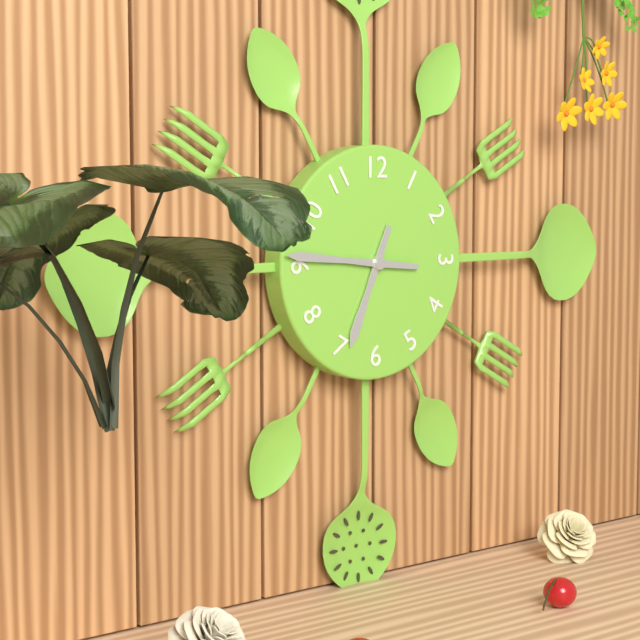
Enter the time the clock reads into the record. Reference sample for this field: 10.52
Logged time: 6.46
